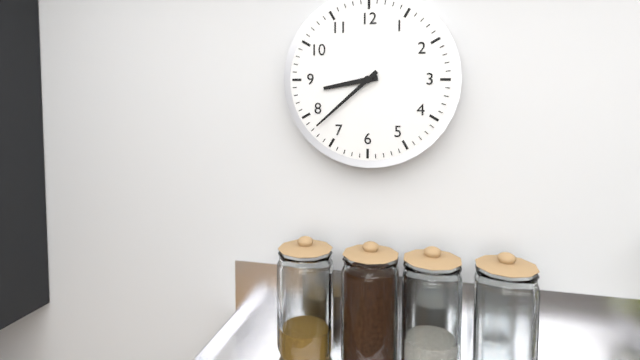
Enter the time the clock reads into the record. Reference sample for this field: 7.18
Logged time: 8.38
